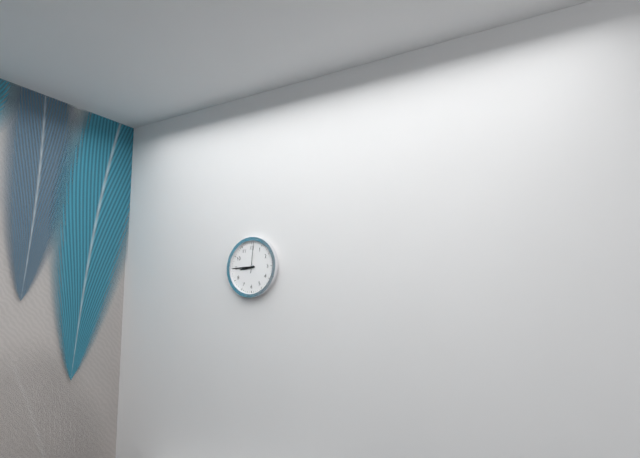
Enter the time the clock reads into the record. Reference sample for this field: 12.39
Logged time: 8.45
